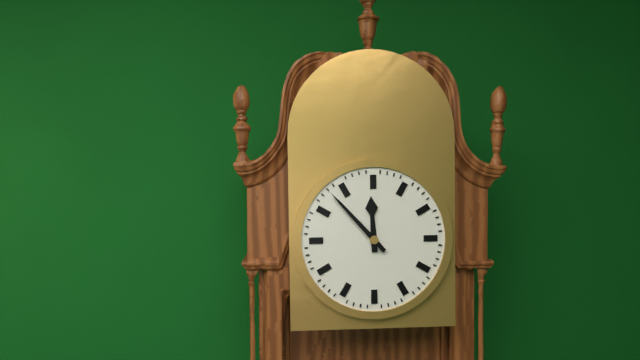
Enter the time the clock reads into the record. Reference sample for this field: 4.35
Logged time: 11.53
